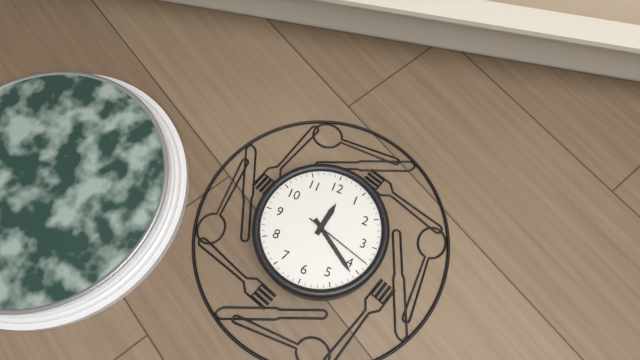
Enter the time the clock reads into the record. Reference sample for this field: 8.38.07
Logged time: 12.21.18
